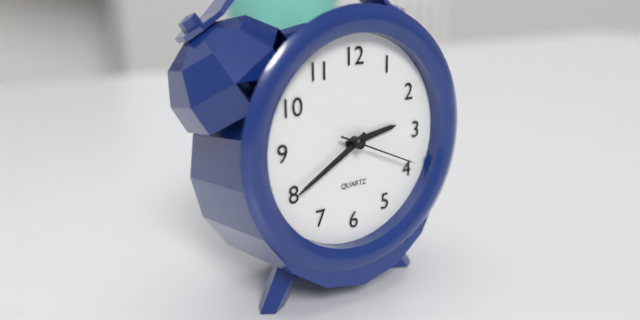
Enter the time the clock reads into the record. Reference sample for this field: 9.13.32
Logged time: 2.40.19
